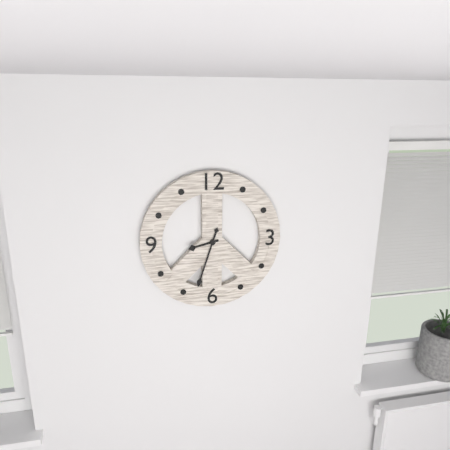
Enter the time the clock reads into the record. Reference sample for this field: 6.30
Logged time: 8.33
